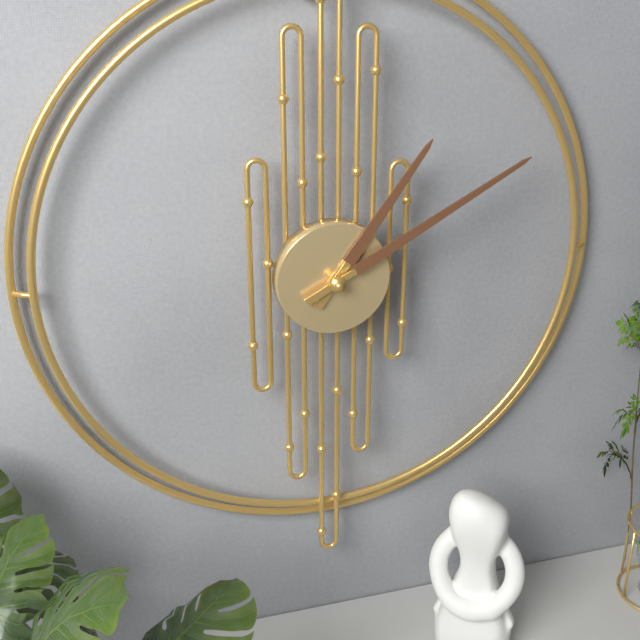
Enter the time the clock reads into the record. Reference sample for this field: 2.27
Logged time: 1.10
